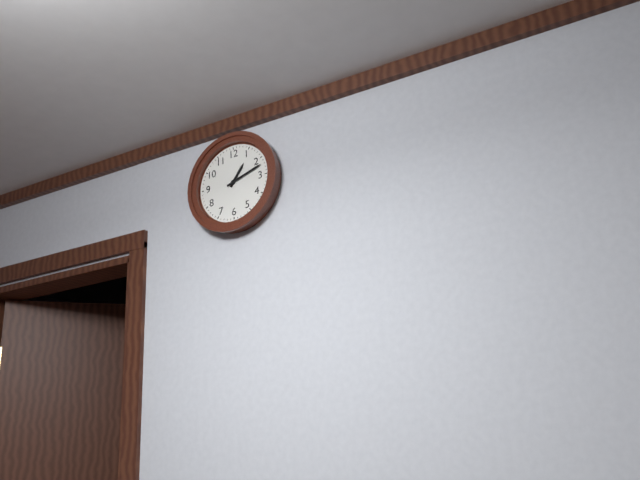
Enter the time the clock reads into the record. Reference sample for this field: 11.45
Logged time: 1.12
